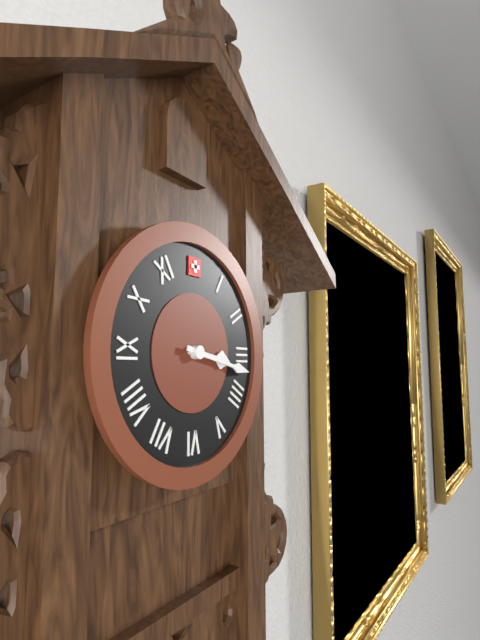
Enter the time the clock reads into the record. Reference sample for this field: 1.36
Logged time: 3.17
